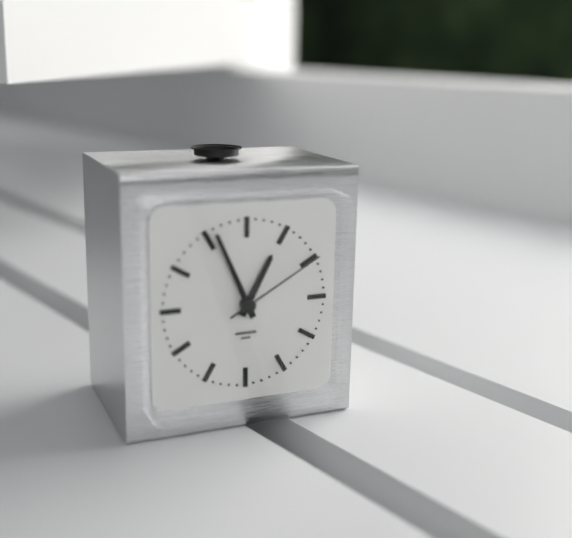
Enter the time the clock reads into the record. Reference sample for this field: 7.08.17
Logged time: 12.56.10
